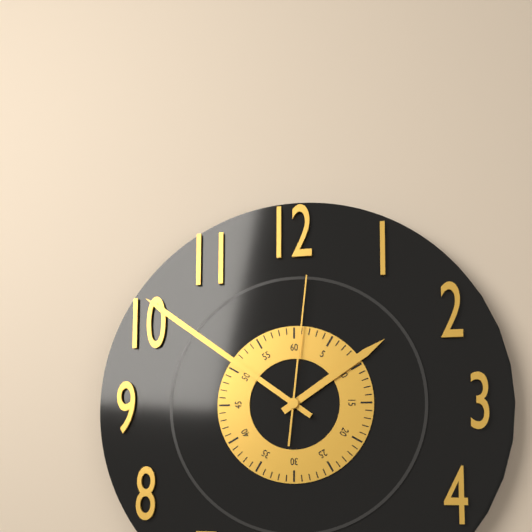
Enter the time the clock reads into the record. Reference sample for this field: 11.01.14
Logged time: 1.51.01
